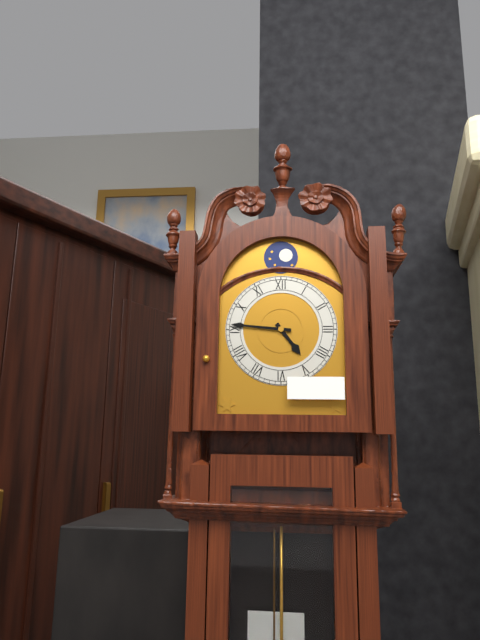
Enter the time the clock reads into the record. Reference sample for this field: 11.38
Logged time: 4.46
